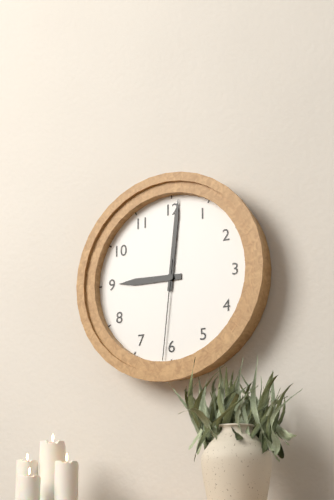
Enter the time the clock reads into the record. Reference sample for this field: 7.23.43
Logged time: 9.01.31
